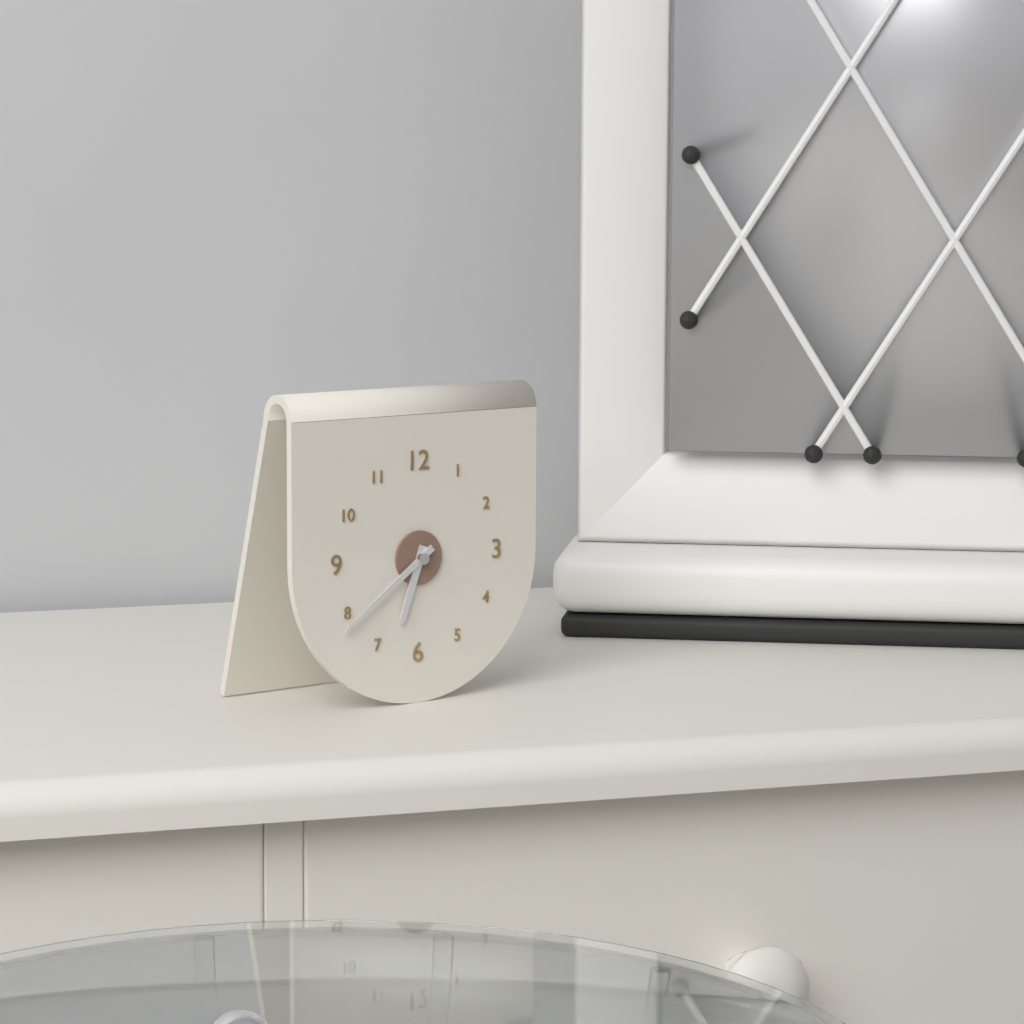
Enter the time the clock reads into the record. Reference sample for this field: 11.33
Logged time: 6.39
